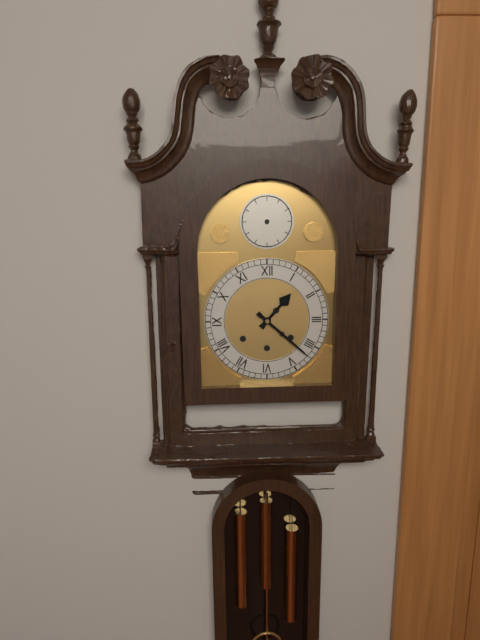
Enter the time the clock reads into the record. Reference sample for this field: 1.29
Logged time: 1.22
